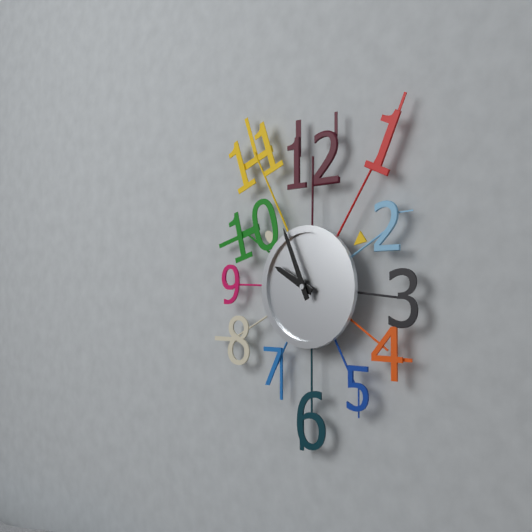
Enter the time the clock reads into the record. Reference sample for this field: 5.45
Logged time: 9.56
